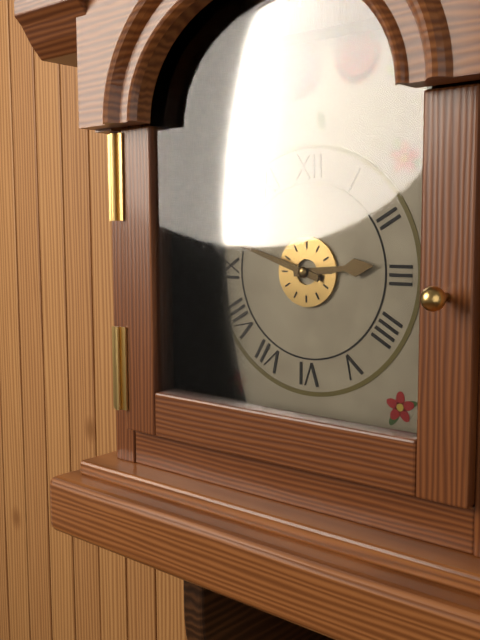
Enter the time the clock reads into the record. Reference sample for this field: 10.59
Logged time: 2.48
